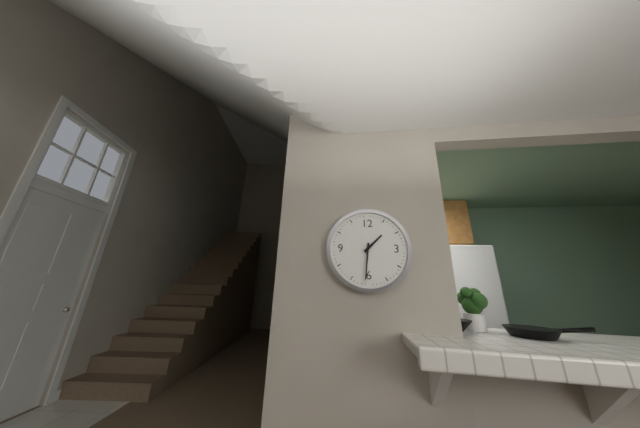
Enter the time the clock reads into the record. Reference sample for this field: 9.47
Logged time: 1.31
